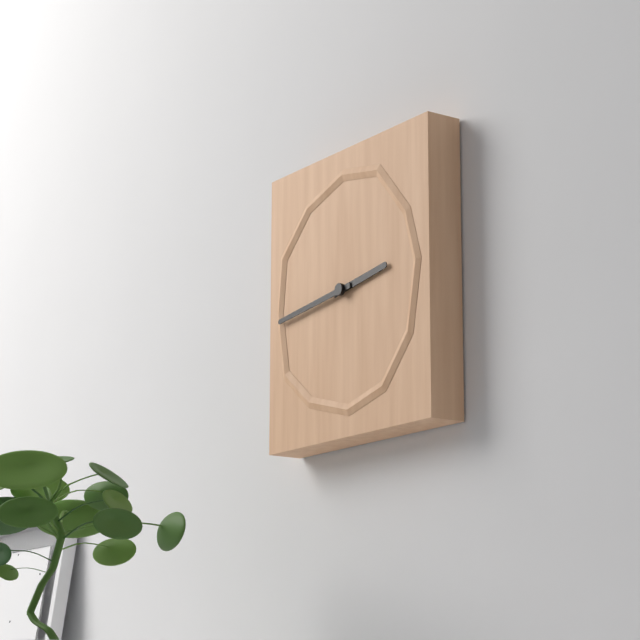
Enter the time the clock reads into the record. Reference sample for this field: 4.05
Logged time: 2.44
